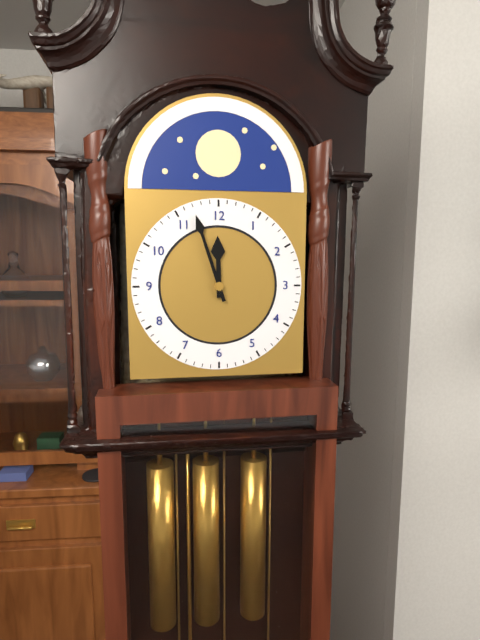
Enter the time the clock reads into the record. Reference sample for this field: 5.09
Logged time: 11.57
